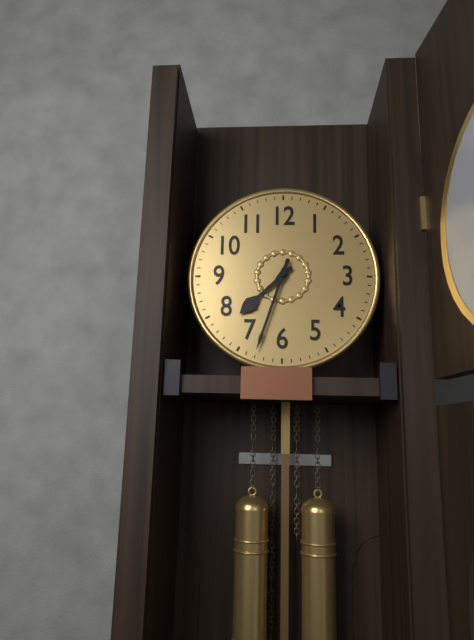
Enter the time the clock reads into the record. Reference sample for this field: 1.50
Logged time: 7.33
